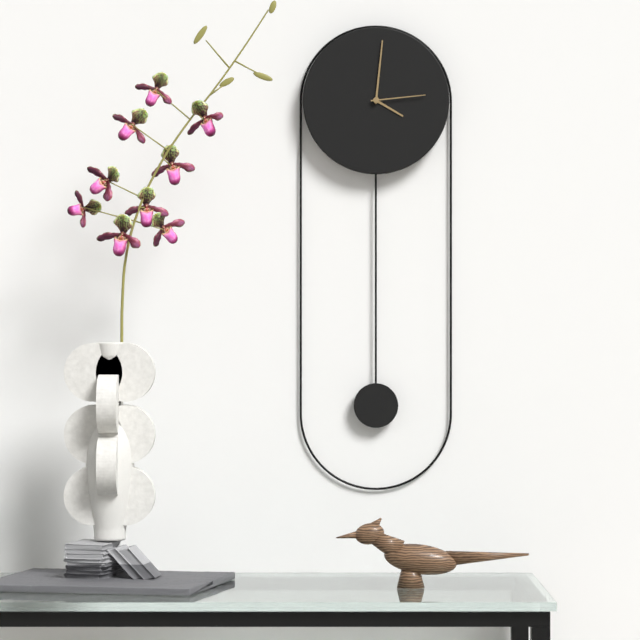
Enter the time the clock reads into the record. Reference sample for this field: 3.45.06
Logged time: 4.01.14
